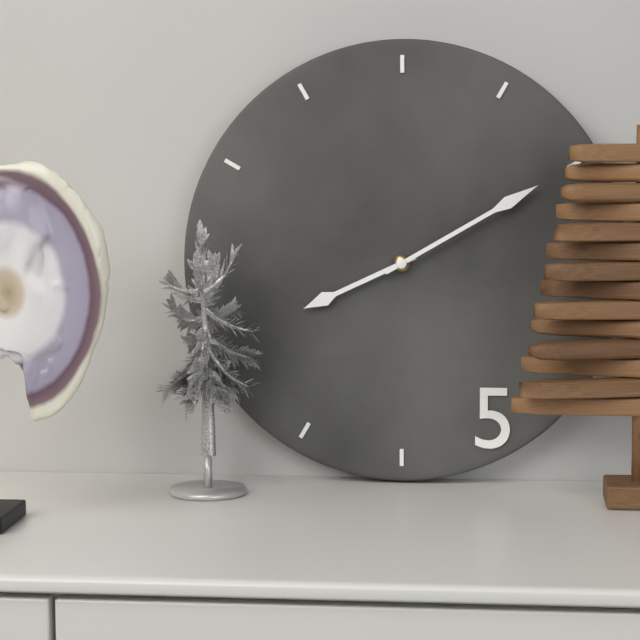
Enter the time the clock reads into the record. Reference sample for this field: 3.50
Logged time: 8.10
